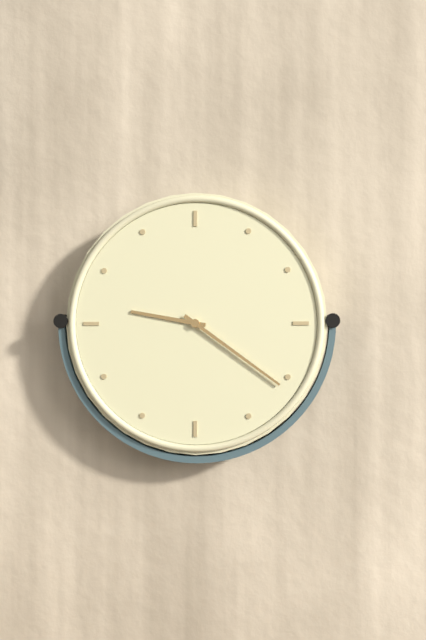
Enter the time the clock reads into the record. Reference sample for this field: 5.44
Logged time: 9.21
